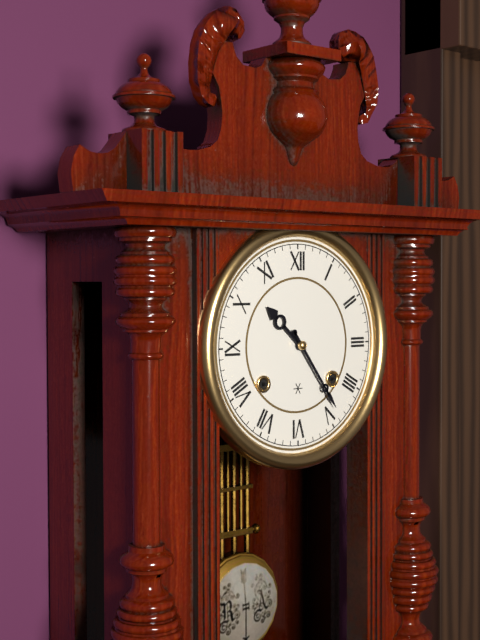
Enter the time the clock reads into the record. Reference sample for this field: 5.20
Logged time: 10.24
